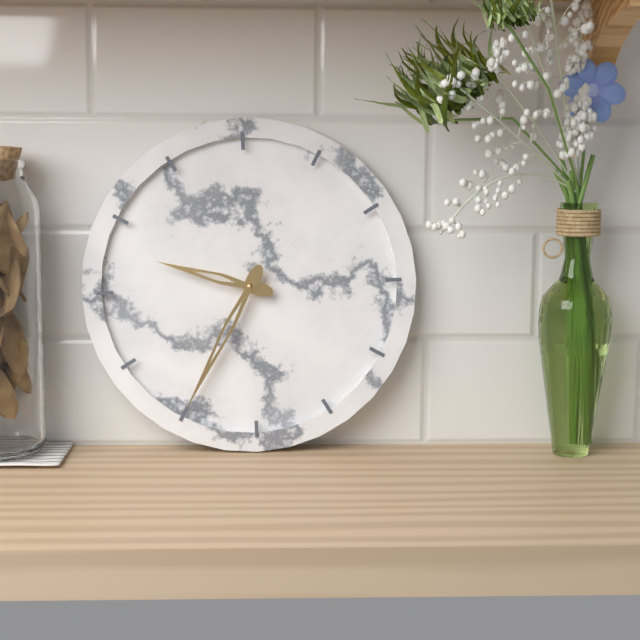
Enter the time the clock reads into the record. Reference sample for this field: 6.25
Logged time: 9.35
